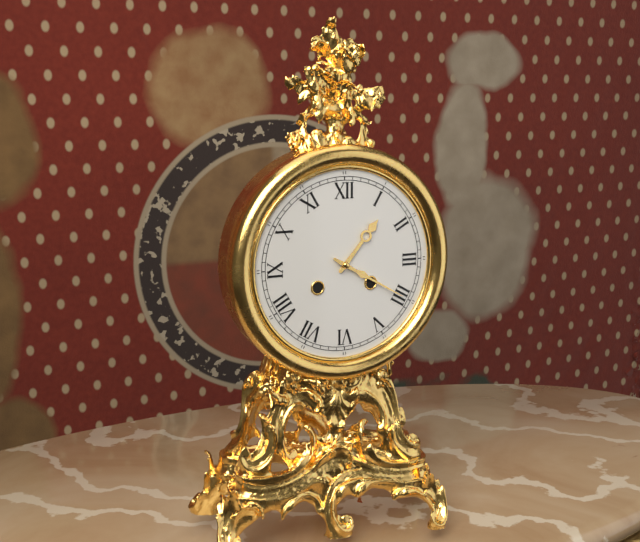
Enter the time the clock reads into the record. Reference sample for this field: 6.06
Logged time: 1.20
